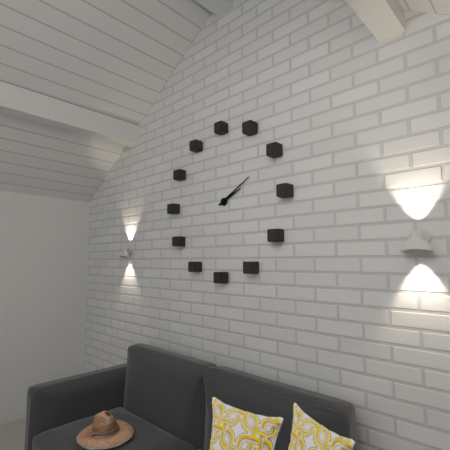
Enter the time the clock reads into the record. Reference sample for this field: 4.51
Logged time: 2.10
